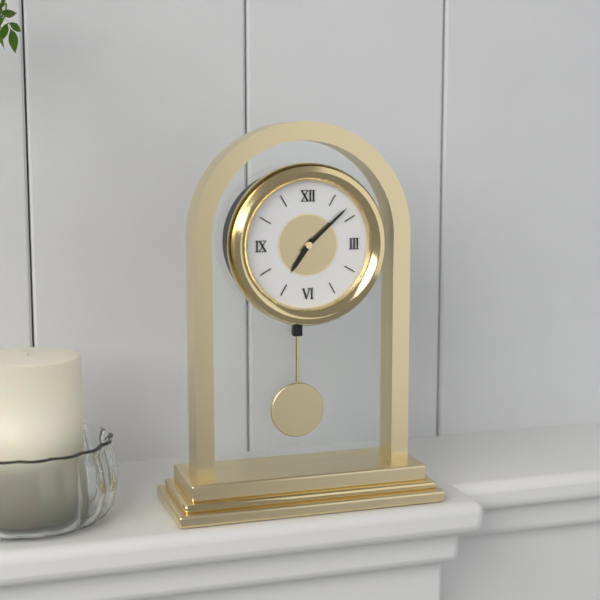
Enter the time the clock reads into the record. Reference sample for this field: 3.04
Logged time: 7.08
